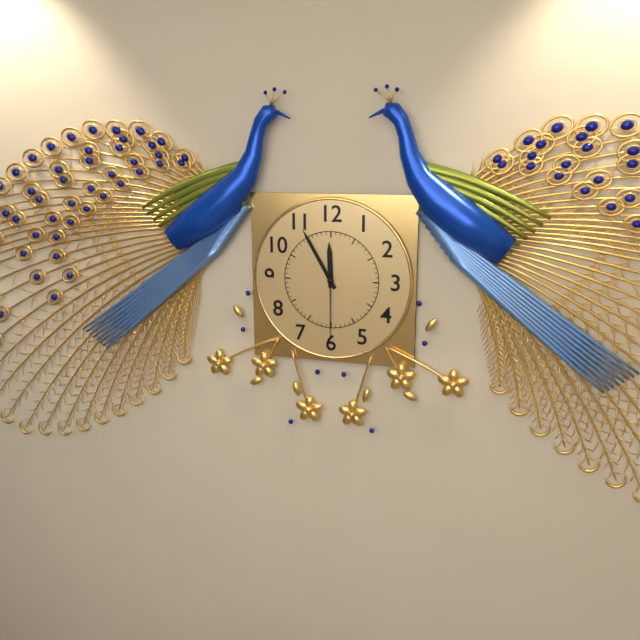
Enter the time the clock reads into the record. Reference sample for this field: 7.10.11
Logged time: 11.55.30
